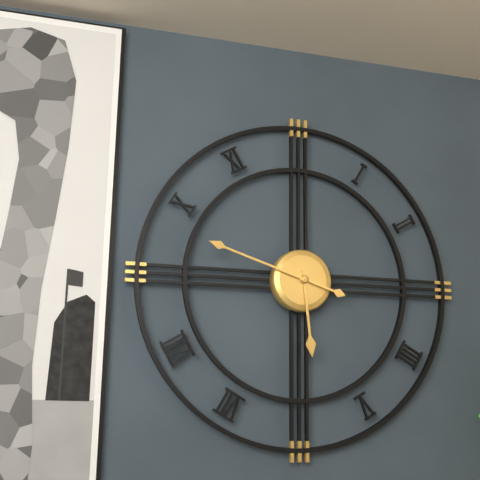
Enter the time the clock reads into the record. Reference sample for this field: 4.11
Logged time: 5.48
